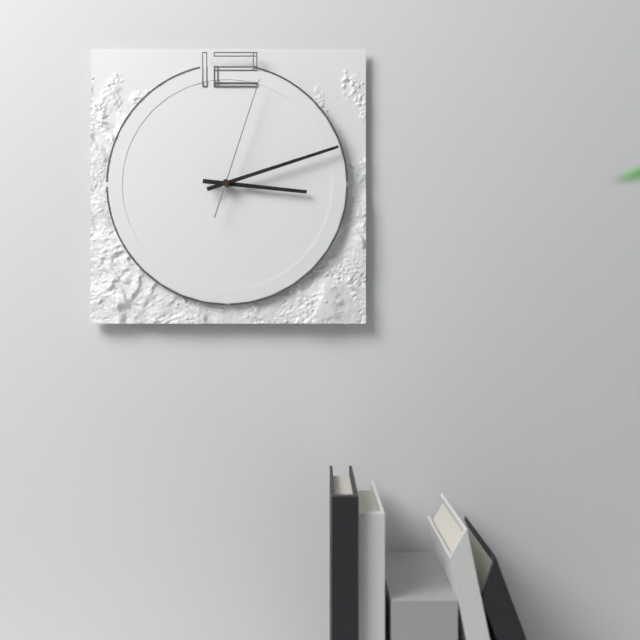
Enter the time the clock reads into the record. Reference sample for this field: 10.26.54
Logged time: 3.12.03
